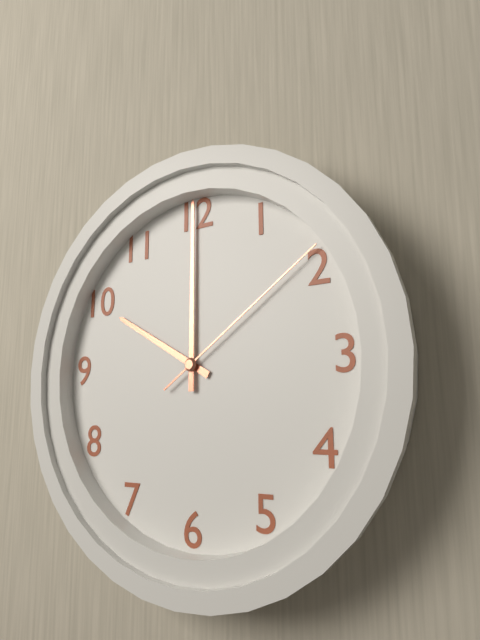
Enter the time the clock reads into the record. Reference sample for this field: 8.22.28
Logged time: 10.00.09
